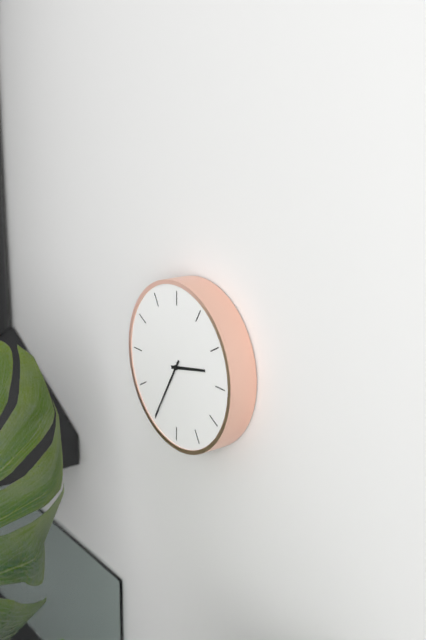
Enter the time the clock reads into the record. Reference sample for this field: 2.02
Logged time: 2.35
